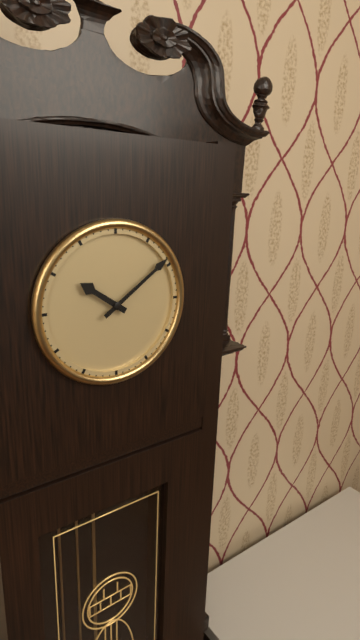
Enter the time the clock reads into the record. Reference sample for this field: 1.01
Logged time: 10.09
